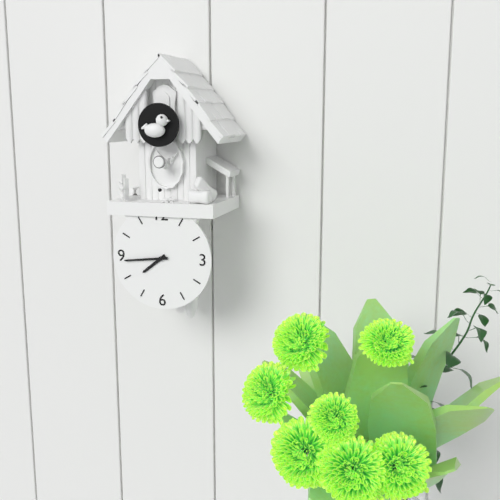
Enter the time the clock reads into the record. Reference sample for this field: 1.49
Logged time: 7.44
